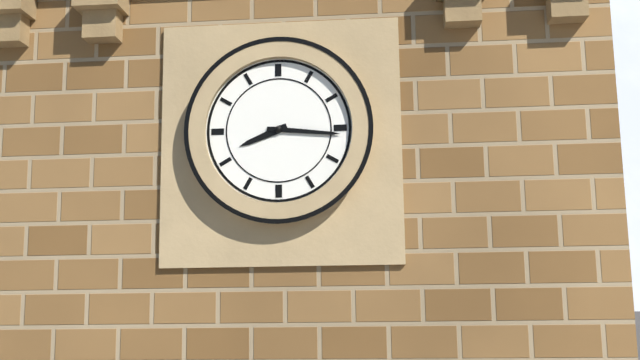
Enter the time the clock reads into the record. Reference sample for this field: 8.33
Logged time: 8.16
